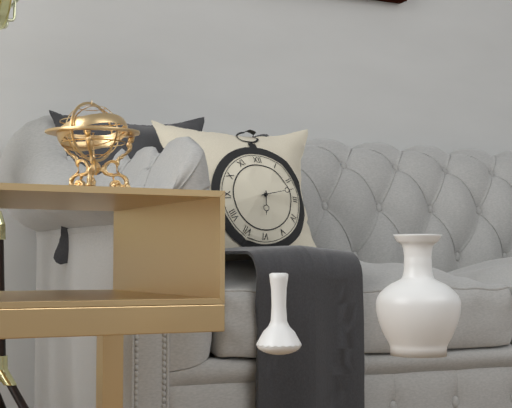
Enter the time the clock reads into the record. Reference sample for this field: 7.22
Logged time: 6.13
